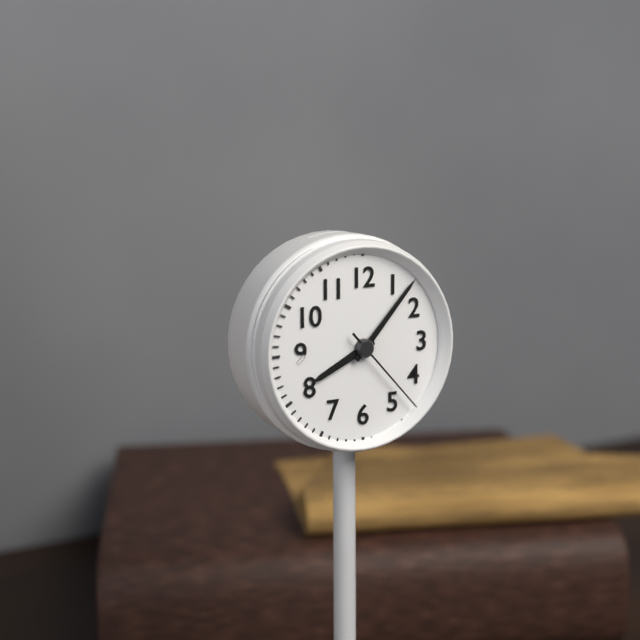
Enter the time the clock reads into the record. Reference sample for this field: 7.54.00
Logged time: 8.07.23
